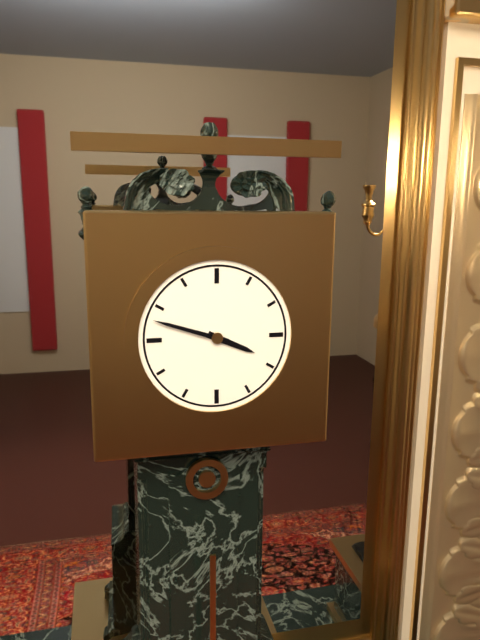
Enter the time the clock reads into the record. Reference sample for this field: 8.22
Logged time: 3.48
